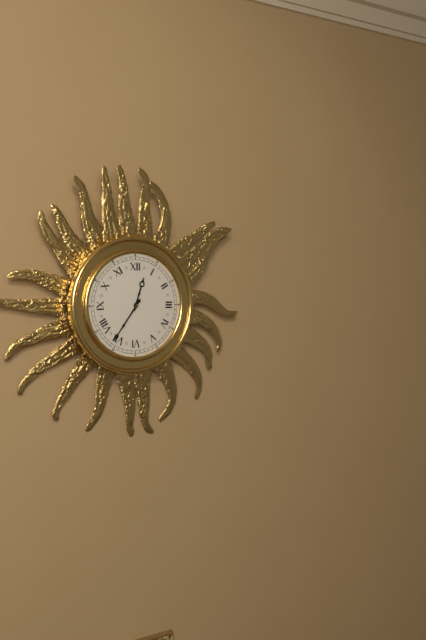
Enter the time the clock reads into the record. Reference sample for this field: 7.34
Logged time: 12.36
